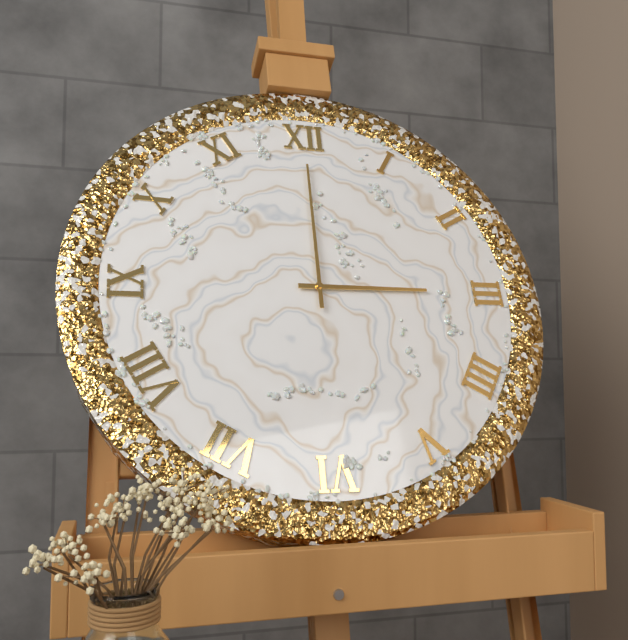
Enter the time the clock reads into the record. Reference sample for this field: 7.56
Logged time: 3.00
